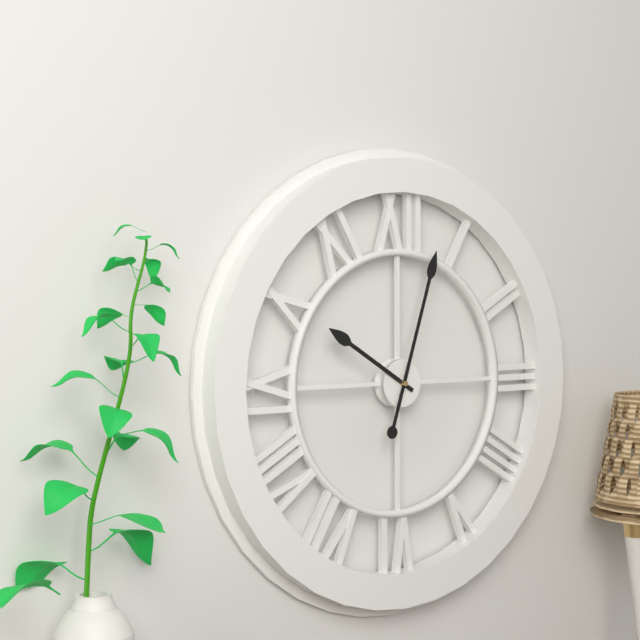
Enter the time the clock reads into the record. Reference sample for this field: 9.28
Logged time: 10.03
